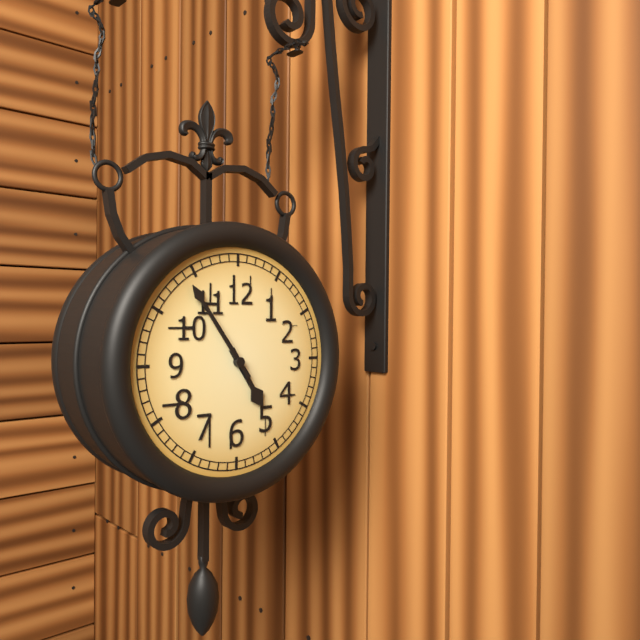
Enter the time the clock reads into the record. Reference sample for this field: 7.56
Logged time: 4.54
